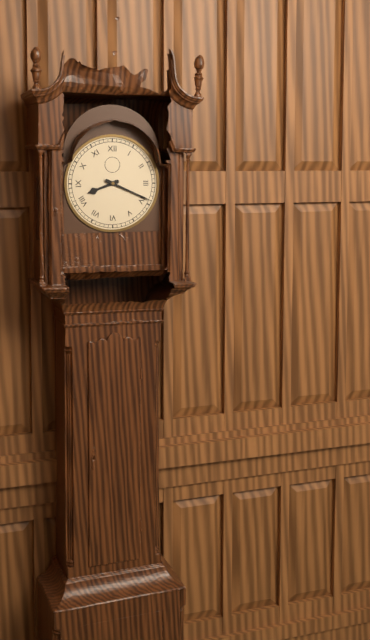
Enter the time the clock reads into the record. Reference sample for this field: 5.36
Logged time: 8.19
